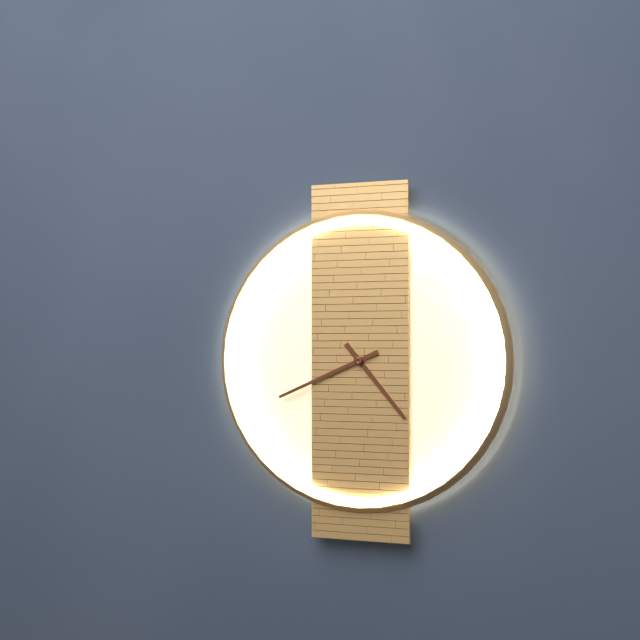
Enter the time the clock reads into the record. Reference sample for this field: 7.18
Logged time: 4.41
